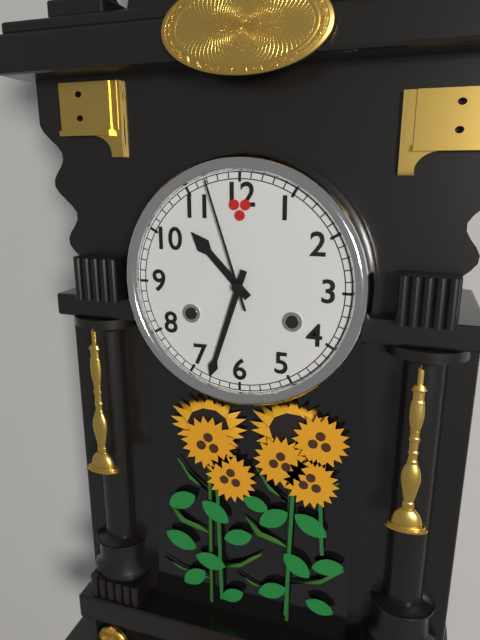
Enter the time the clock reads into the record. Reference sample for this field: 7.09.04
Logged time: 10.33.57
